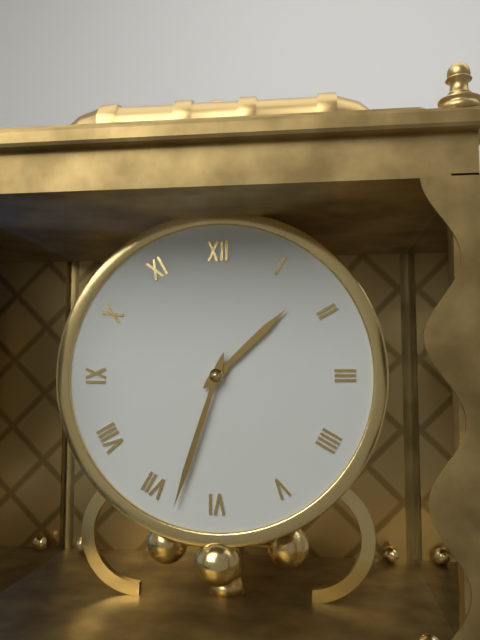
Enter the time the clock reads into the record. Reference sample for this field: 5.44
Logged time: 1.33
